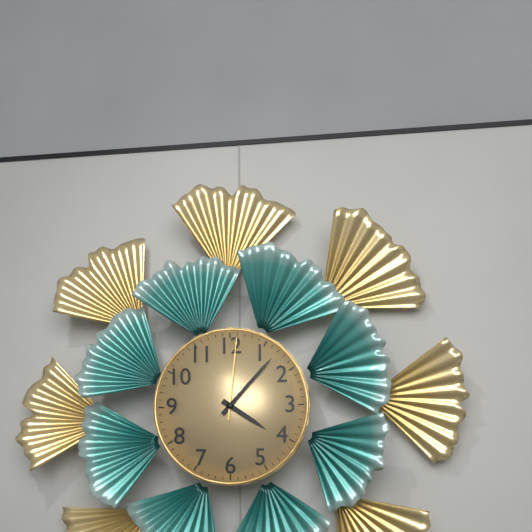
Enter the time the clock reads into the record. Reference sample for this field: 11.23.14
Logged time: 4.07.01
